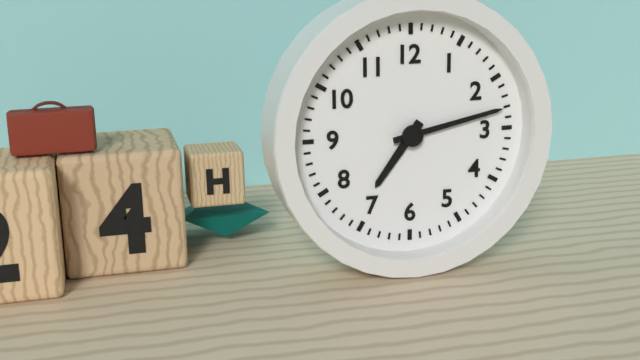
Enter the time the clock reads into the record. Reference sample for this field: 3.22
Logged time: 7.13
